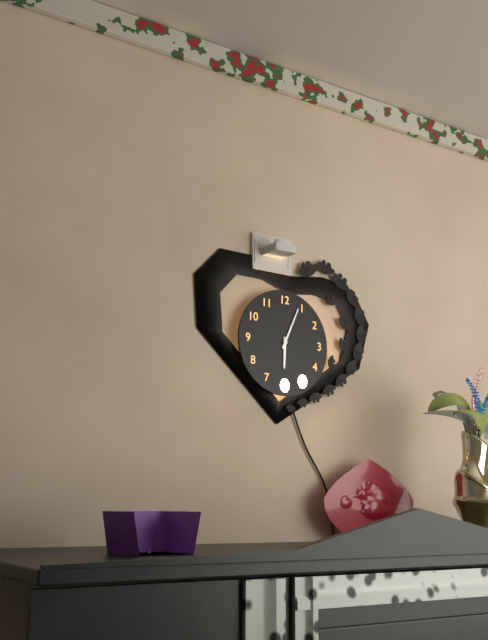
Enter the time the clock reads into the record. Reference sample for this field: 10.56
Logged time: 6.04
